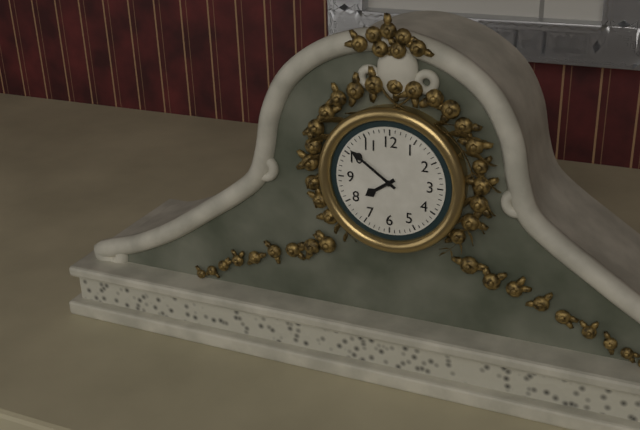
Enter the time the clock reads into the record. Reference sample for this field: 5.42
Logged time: 7.51
